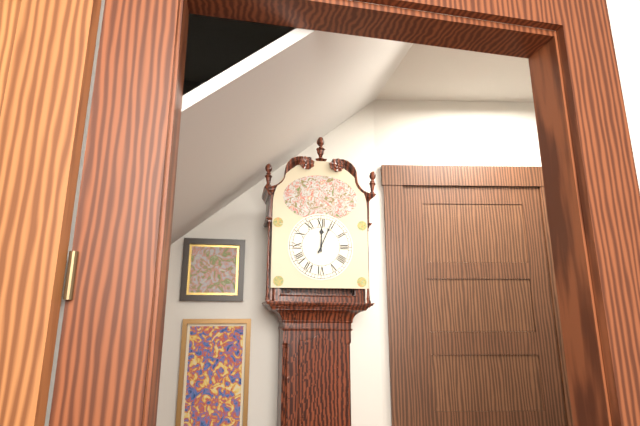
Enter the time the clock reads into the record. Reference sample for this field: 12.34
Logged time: 12.04
